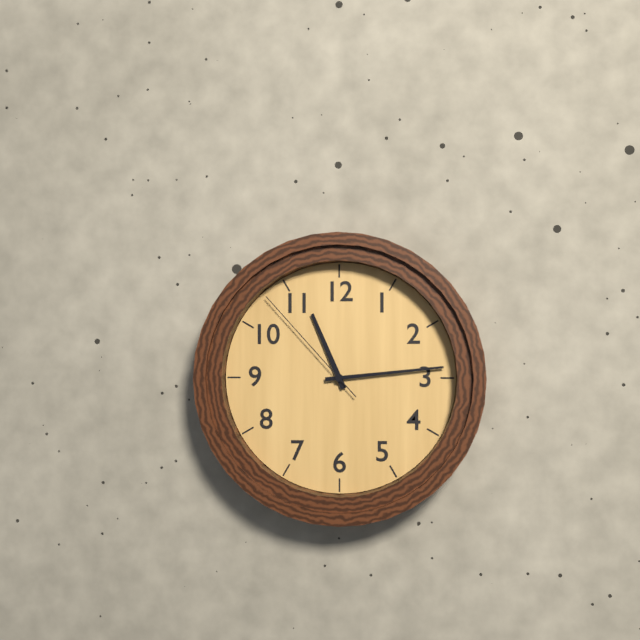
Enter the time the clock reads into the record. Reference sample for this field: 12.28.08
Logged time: 11.14.53
